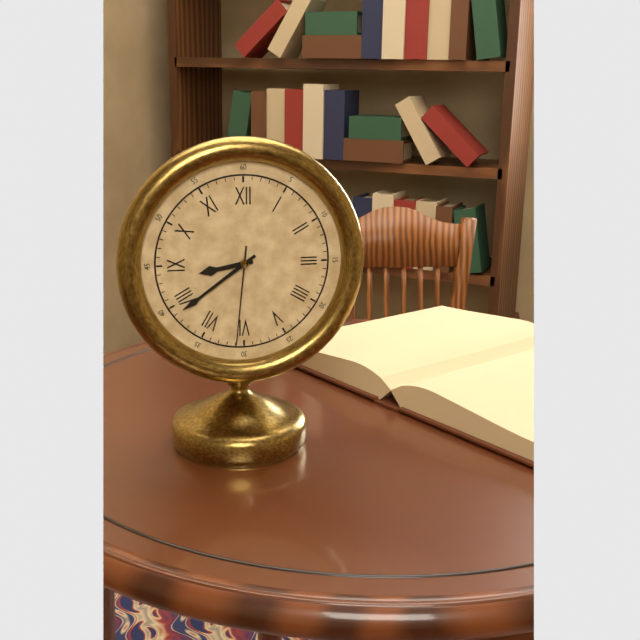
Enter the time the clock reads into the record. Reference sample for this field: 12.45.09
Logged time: 8.39.31
